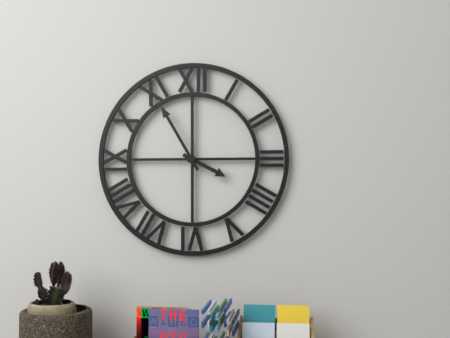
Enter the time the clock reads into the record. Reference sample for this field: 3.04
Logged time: 3.55
